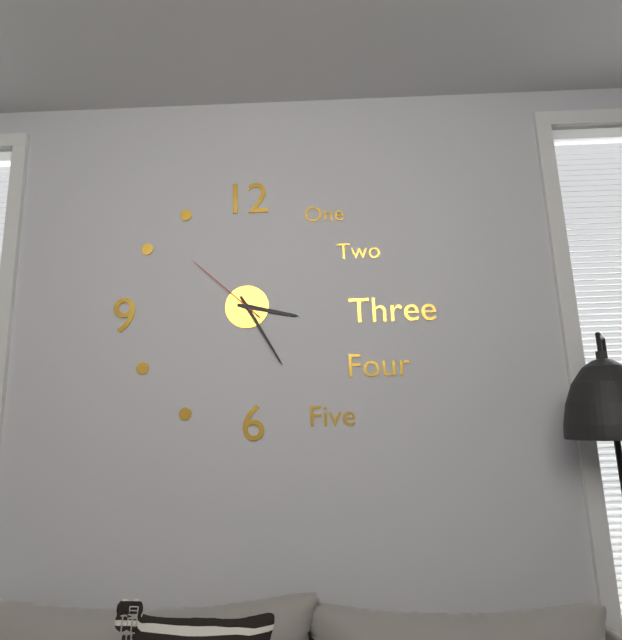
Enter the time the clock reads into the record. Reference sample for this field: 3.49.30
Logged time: 3.25.52
